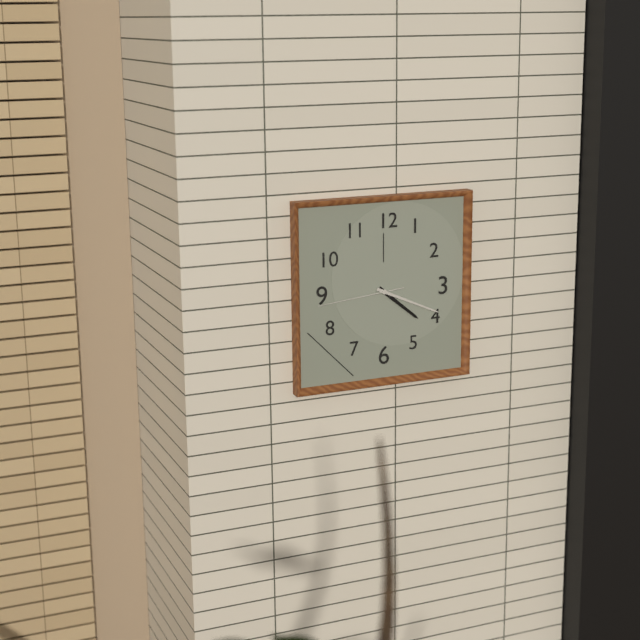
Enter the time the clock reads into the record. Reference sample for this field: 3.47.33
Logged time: 4.19.44
